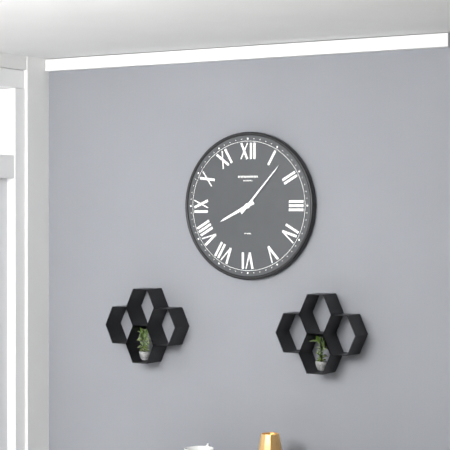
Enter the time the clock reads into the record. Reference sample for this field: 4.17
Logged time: 8.07
